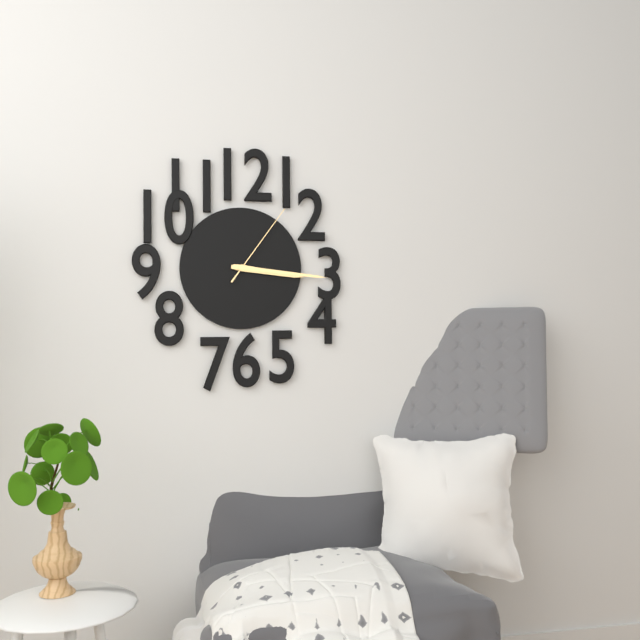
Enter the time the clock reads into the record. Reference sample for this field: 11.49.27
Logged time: 3.16.06
